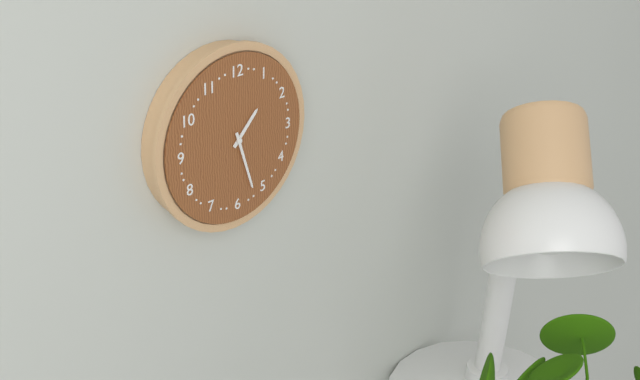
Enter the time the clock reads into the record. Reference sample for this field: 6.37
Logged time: 1.27
